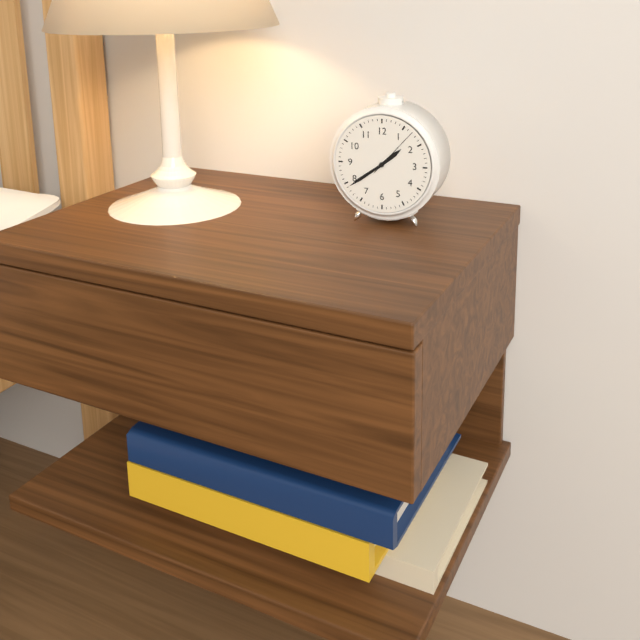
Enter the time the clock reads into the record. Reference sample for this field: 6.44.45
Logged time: 1.39.07
